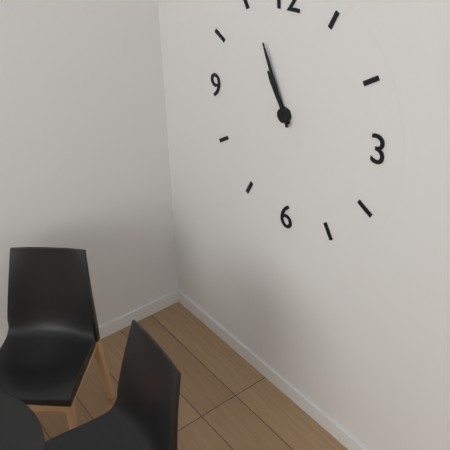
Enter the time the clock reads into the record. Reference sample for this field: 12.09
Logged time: 10.56
